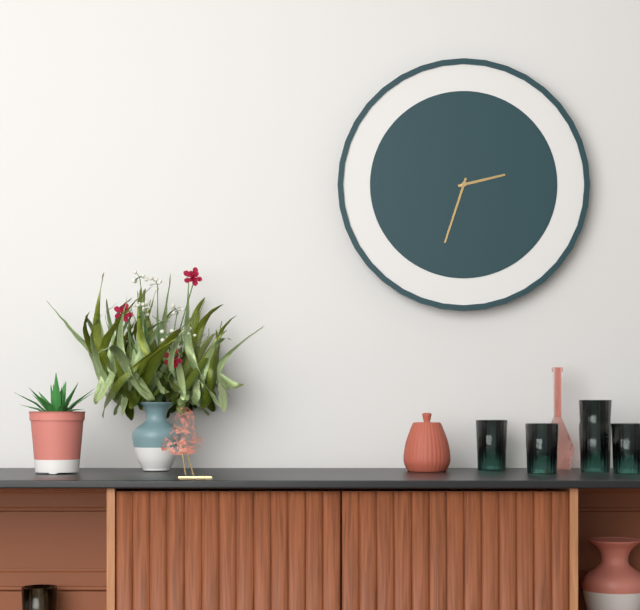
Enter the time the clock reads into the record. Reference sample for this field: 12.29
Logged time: 2.33
